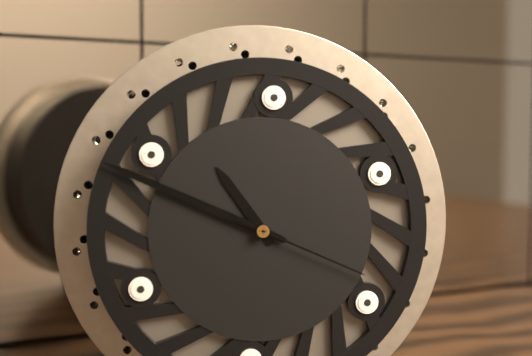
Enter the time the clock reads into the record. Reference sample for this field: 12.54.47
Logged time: 10.49.19
